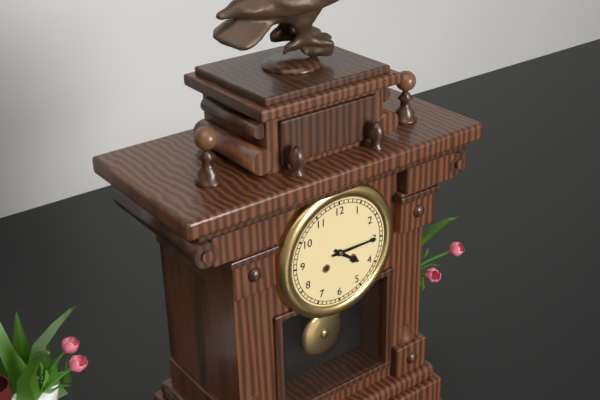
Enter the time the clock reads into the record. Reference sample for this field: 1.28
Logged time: 4.15
